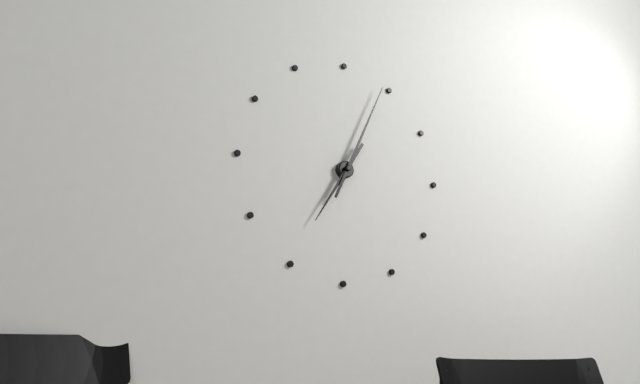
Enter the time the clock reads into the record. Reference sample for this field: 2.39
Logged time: 7.04
